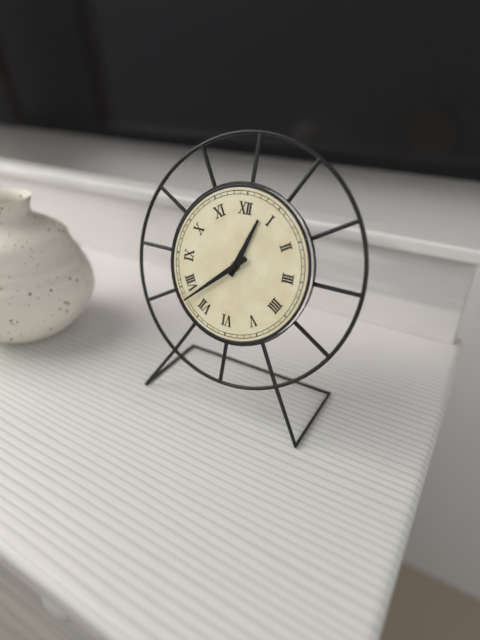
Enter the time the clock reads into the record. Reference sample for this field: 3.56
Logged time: 12.38
